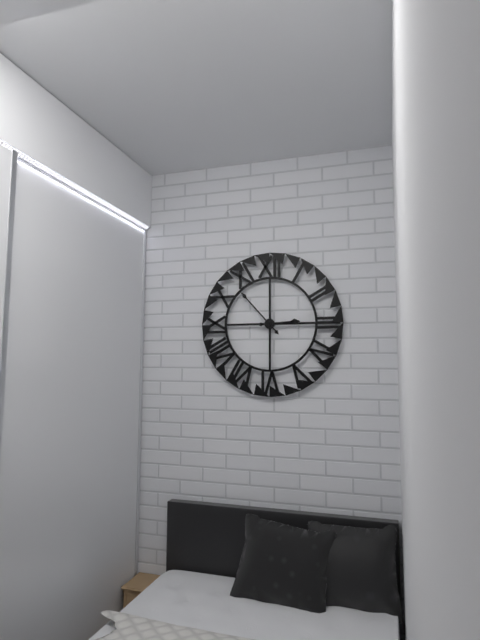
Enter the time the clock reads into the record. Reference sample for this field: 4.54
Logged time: 2.53
